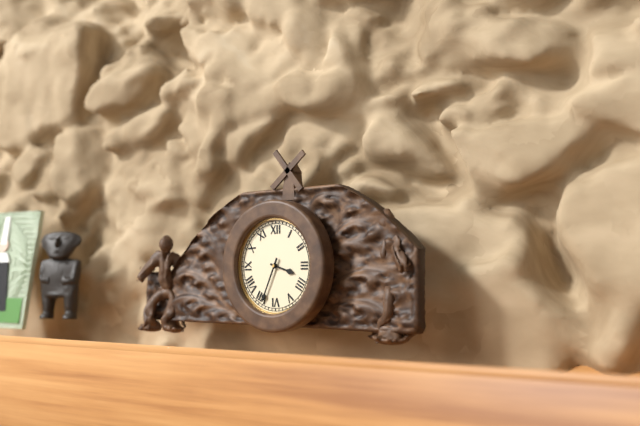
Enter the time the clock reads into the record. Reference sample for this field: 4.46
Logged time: 3.34
